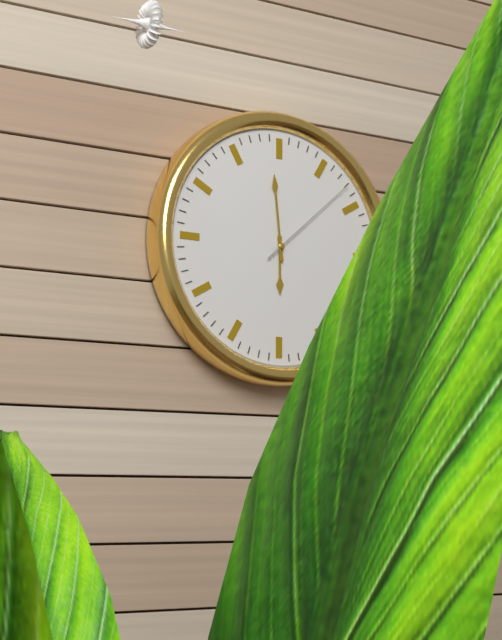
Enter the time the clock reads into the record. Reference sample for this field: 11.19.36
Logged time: 5.59.08
